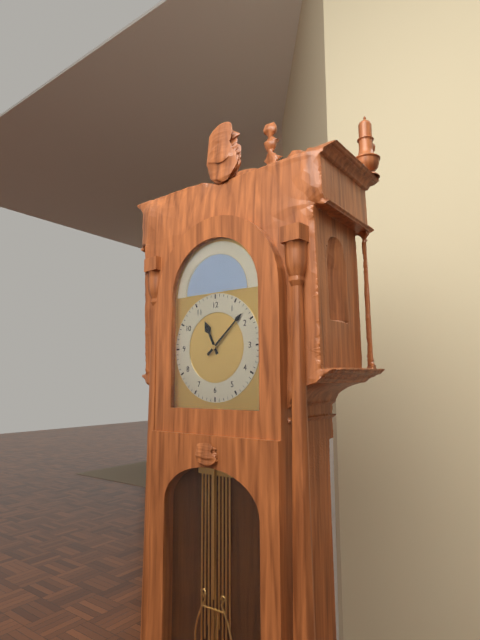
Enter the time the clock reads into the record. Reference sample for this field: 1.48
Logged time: 11.08
